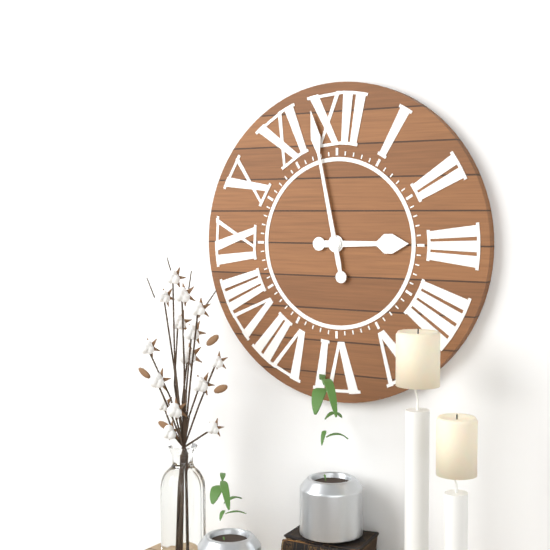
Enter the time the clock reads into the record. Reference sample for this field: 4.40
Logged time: 2.58
